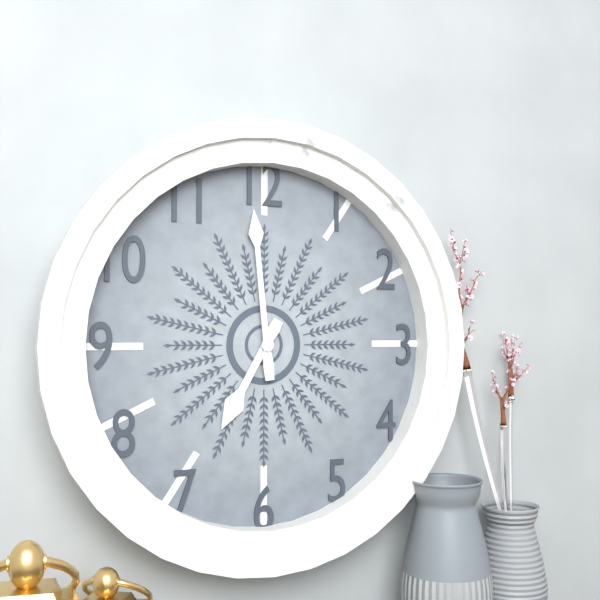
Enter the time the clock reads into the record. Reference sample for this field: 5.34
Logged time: 6.59
